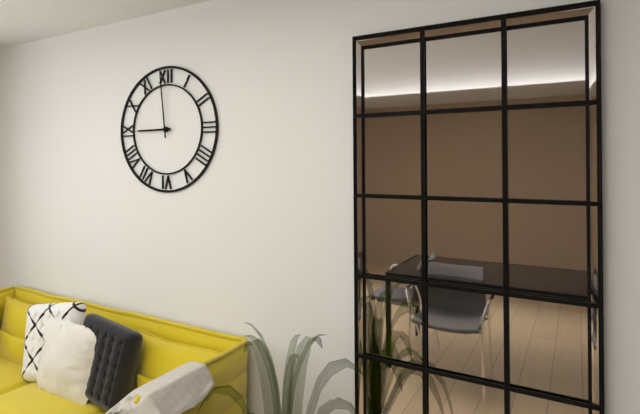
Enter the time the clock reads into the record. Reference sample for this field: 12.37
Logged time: 8.59
